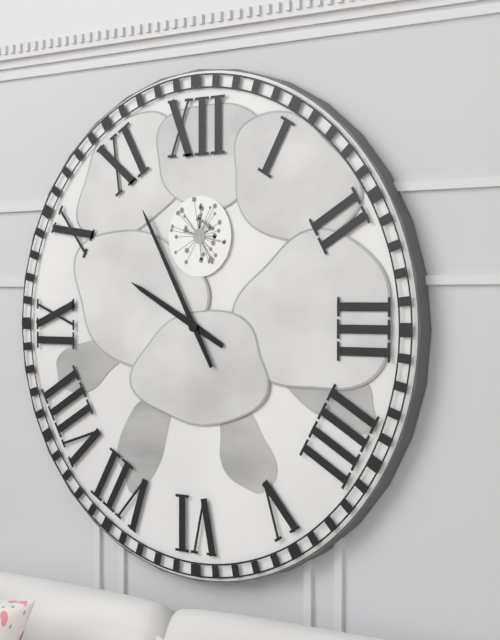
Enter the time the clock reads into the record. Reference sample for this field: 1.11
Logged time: 9.55
